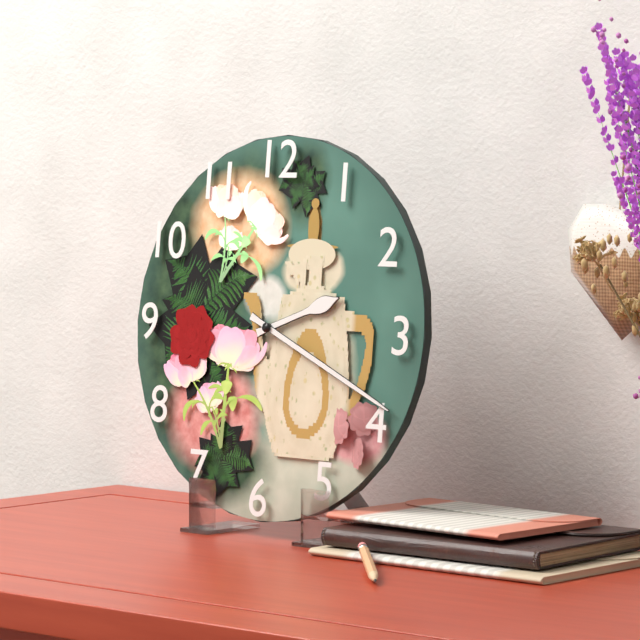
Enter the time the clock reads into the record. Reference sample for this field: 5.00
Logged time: 2.19
